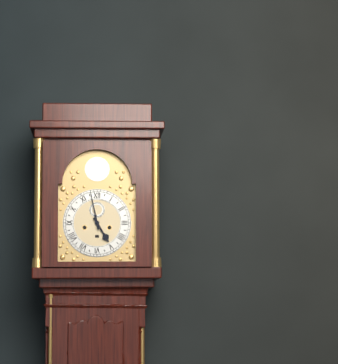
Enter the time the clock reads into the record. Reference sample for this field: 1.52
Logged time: 4.58
